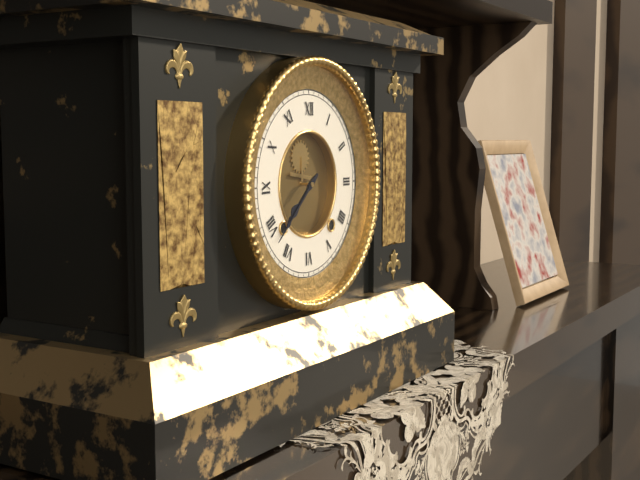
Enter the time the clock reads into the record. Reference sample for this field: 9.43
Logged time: 7.38
